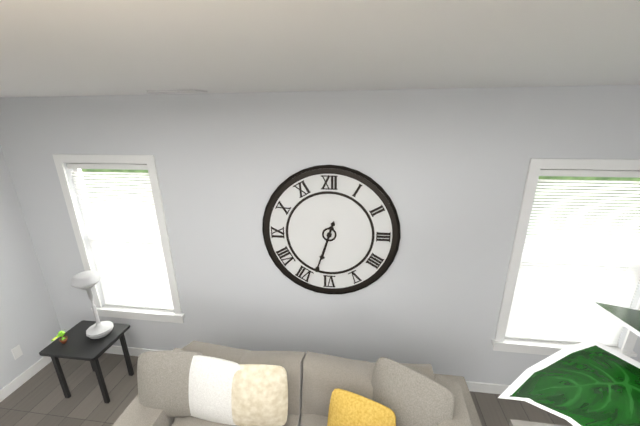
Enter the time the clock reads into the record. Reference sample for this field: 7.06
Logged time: 6.33
